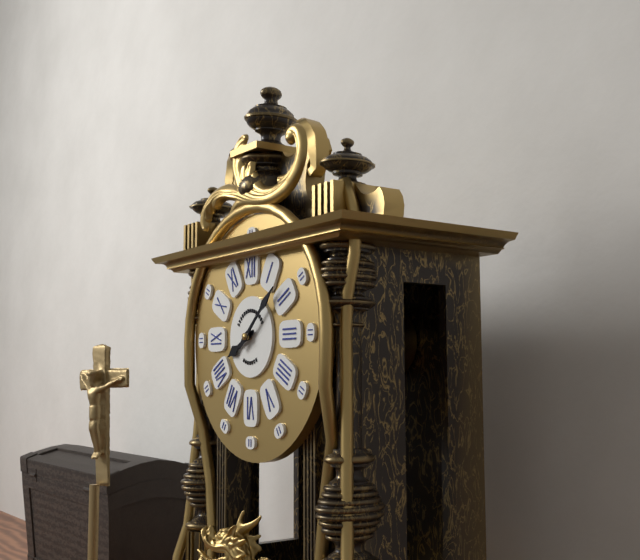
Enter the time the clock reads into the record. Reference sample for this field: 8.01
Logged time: 8.08
